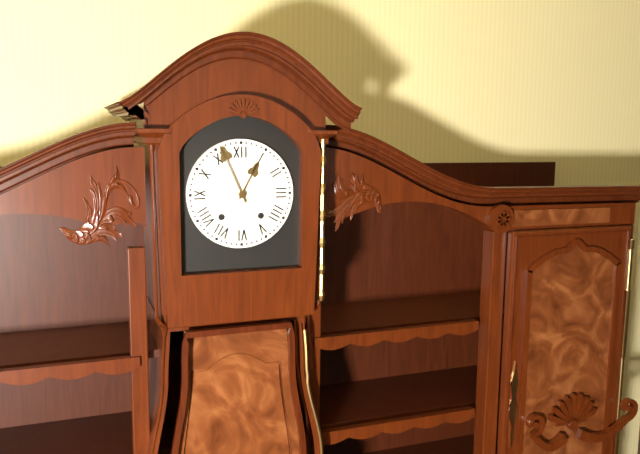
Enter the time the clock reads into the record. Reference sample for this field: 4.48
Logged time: 12.56
